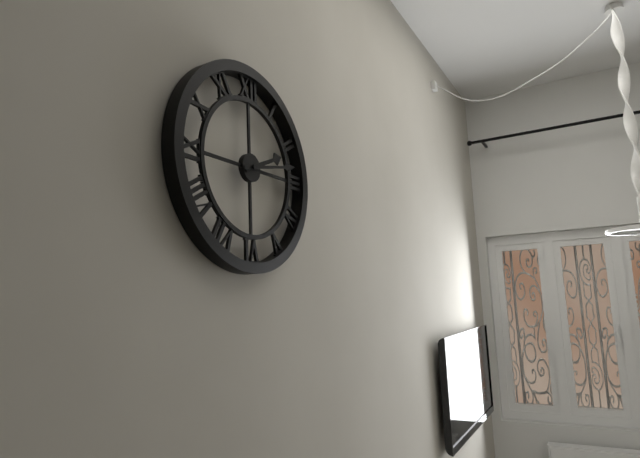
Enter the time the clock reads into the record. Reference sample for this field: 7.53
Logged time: 2.13
